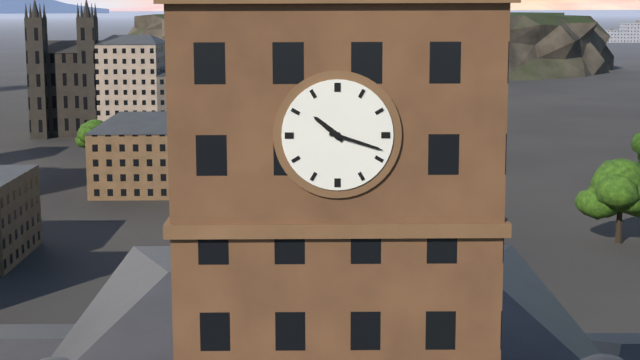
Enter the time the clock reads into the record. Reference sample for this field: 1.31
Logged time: 10.18
